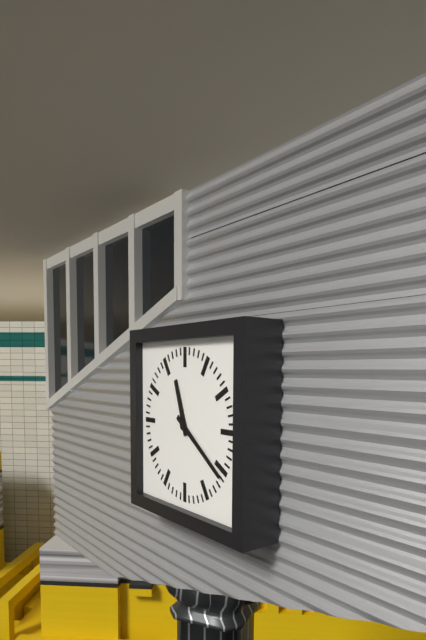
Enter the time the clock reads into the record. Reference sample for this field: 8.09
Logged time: 11.21
